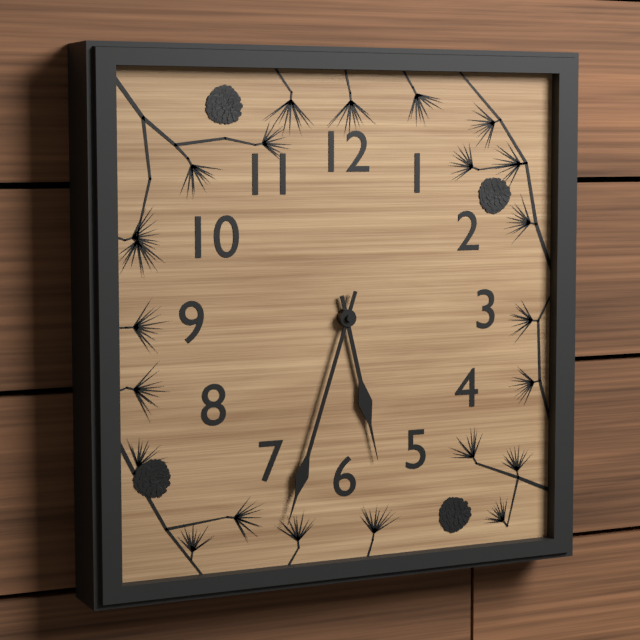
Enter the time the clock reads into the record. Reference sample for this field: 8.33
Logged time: 5.33
